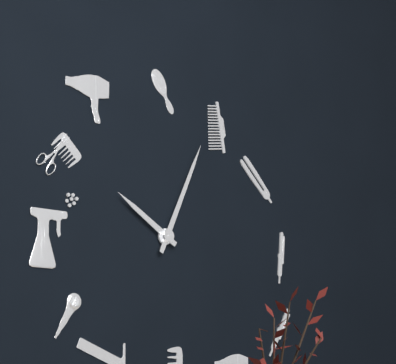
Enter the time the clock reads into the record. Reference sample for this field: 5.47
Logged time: 10.04
